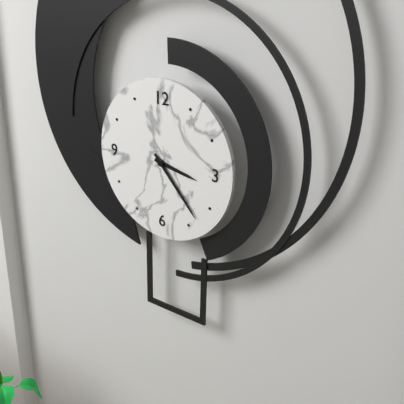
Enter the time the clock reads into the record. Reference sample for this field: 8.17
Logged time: 3.23
